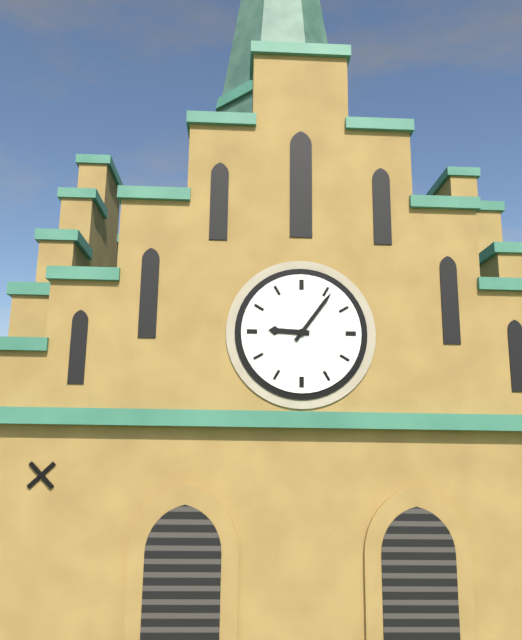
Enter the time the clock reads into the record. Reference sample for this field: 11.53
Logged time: 9.06
